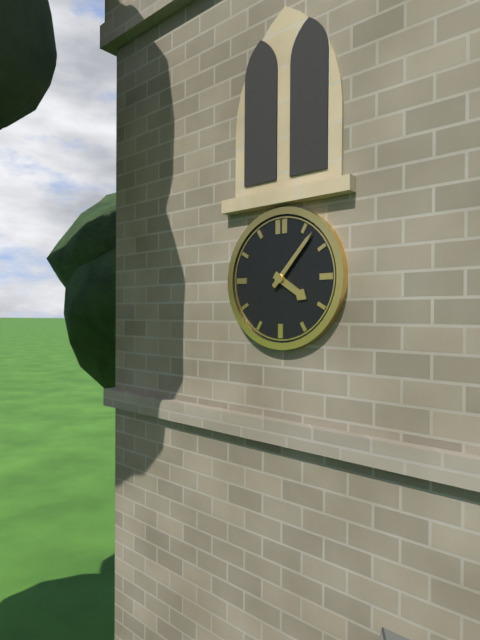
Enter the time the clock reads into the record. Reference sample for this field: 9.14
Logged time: 4.07
